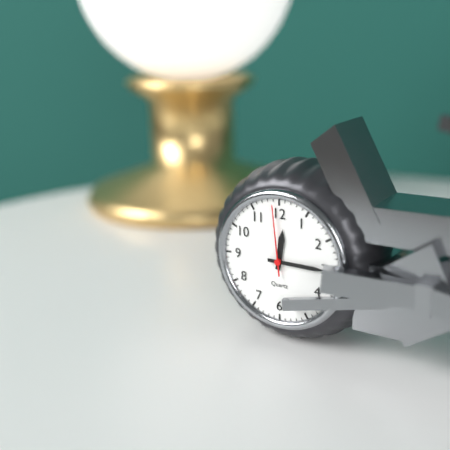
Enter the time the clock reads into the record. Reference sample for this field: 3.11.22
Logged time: 12.15.59
